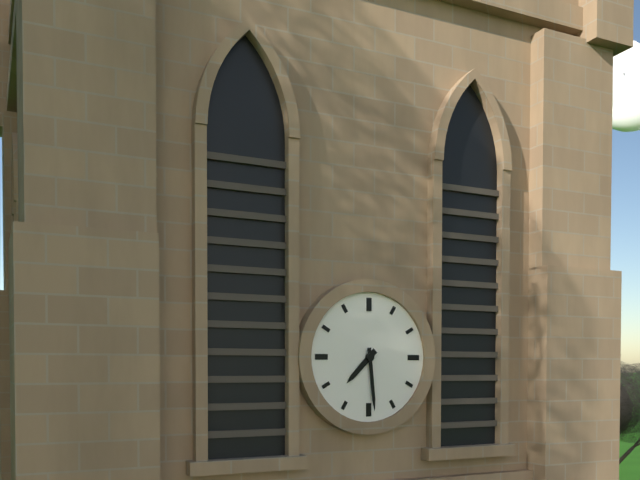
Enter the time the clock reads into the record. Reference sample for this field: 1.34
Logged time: 7.29
